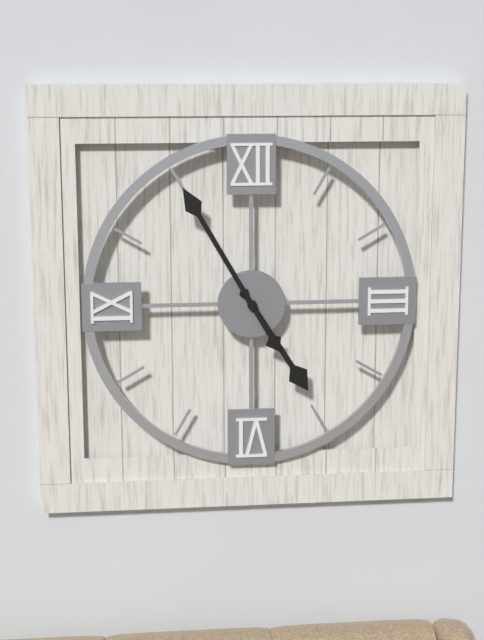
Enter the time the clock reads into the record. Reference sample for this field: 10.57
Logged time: 4.55
